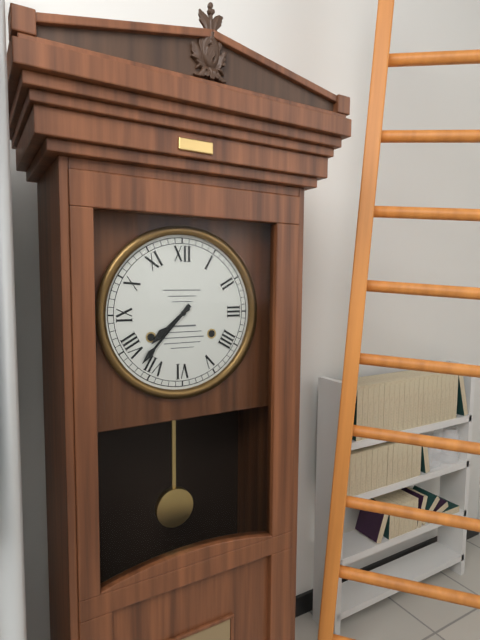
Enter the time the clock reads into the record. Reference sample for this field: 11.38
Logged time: 7.37
